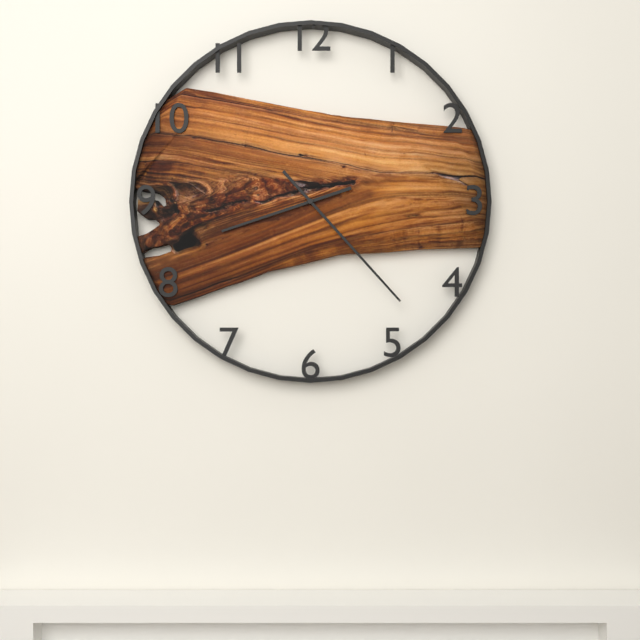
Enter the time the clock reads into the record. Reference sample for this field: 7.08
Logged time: 8.23
